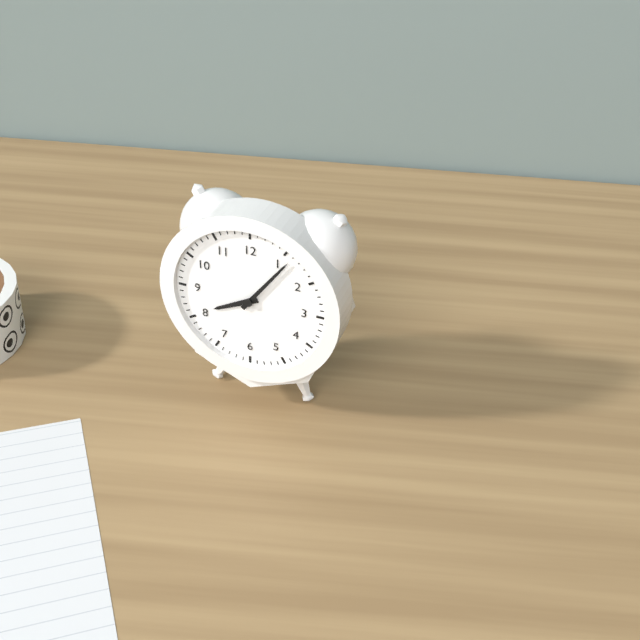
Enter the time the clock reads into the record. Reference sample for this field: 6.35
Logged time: 8.06
